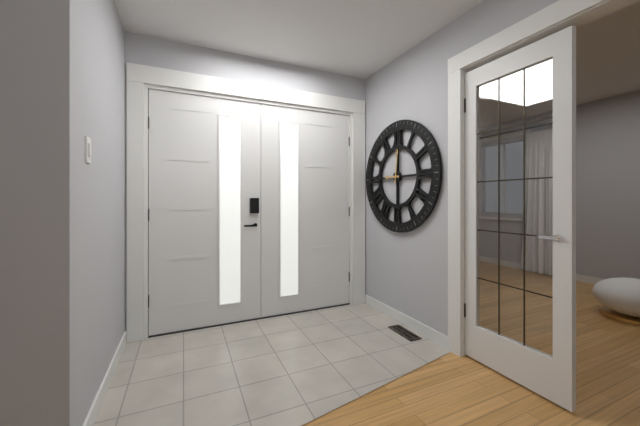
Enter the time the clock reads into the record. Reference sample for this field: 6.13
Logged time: 9.01
